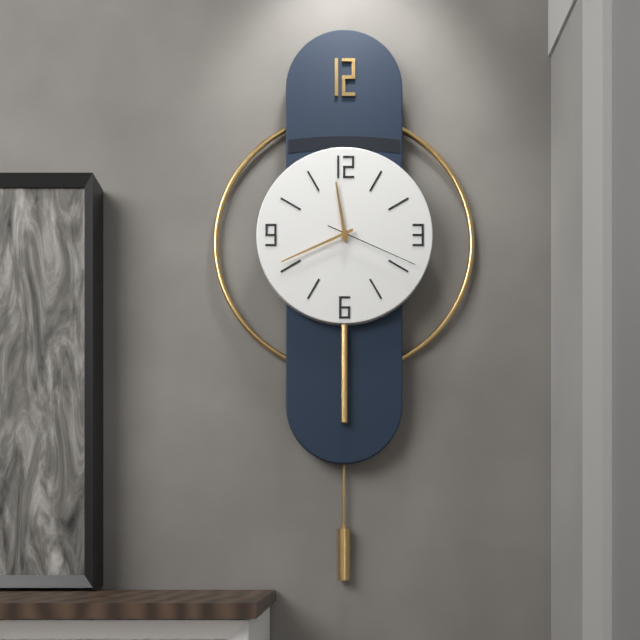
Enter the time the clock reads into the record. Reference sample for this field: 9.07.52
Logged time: 11.41.19
